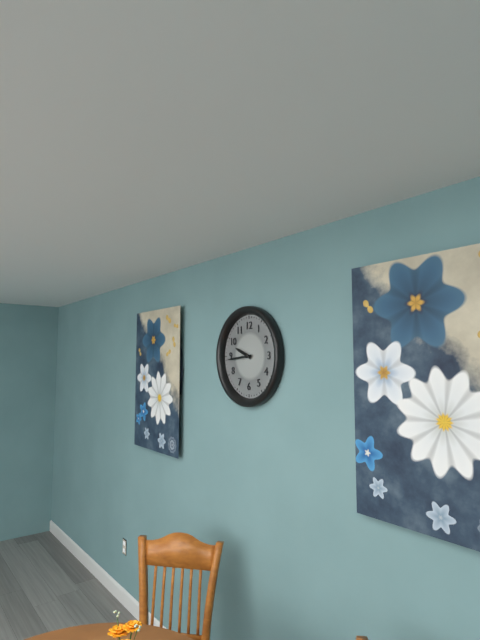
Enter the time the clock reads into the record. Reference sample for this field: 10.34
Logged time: 9.44
